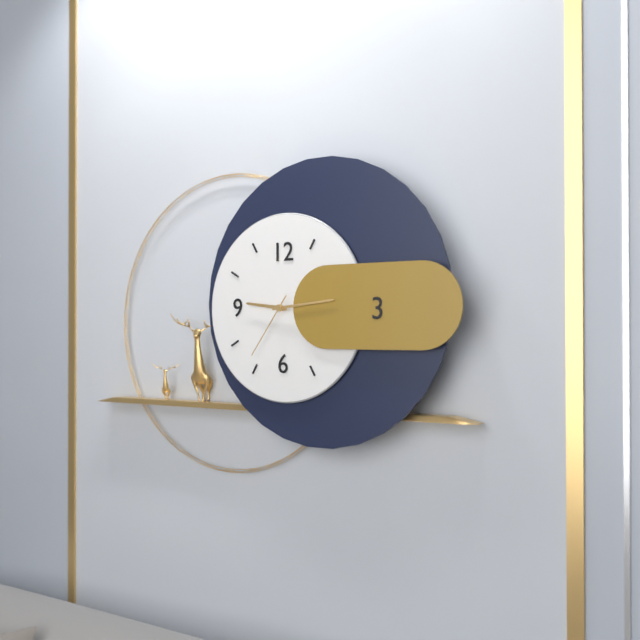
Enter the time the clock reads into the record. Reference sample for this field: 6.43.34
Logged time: 9.14.36
